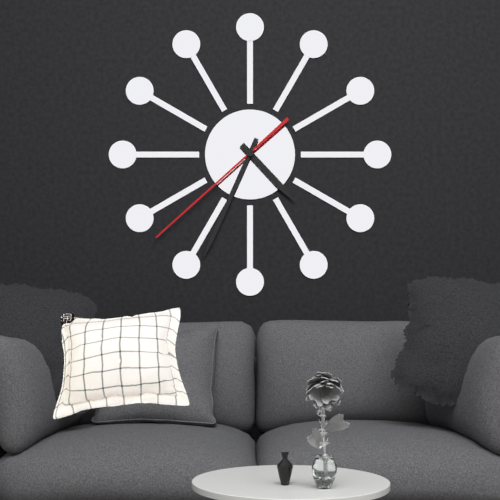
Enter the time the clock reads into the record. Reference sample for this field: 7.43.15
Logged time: 4.34.38
